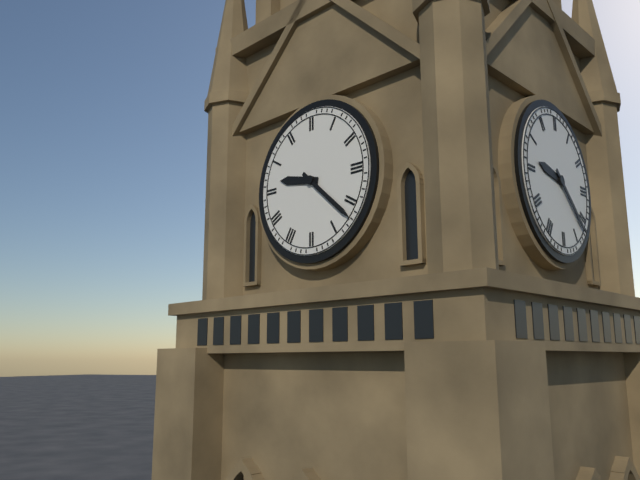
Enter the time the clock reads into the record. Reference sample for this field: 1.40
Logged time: 9.22
